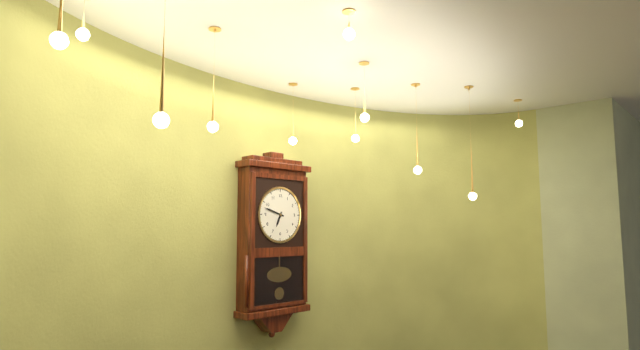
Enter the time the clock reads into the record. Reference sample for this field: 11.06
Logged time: 6.48
